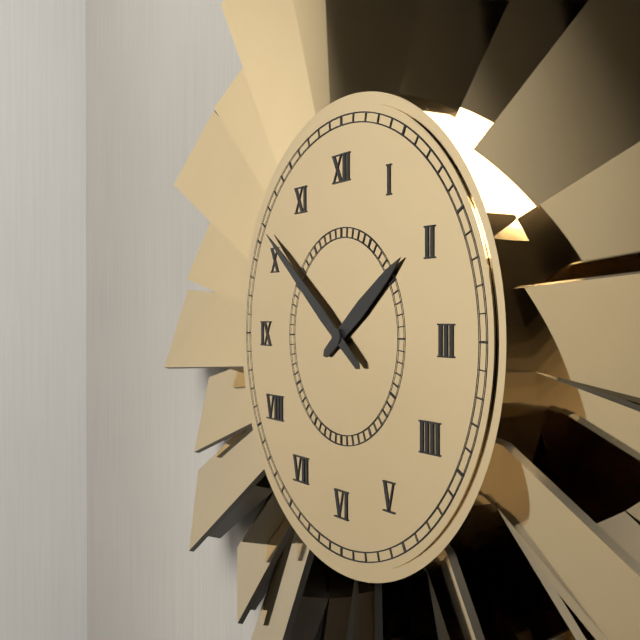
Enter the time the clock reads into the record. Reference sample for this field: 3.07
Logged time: 1.51
